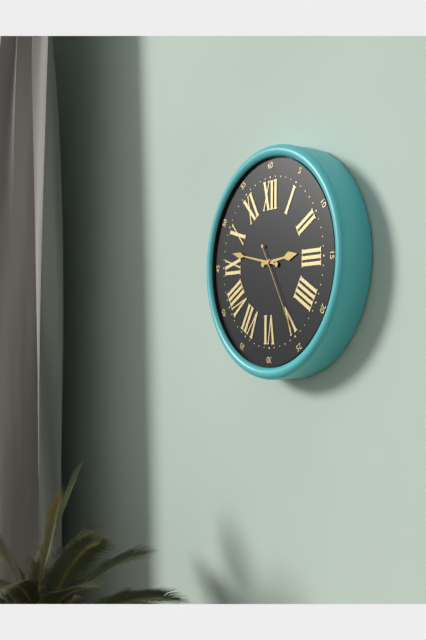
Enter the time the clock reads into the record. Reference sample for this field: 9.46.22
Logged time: 2.47.25
